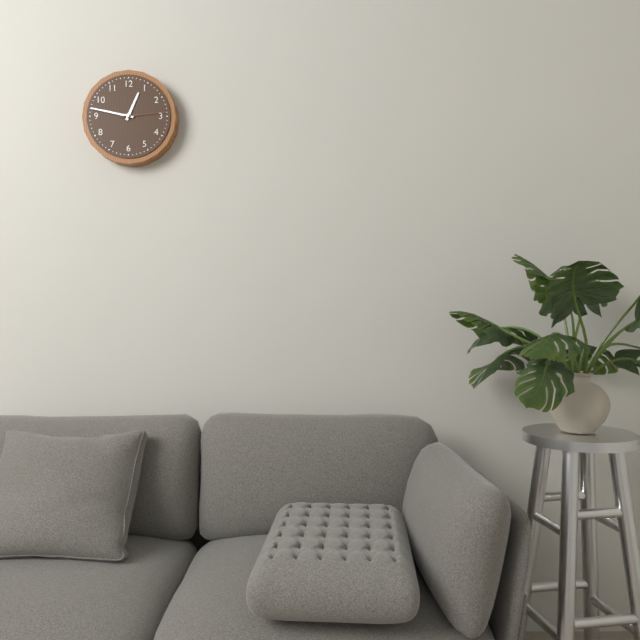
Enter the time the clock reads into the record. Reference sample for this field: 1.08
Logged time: 12.47
